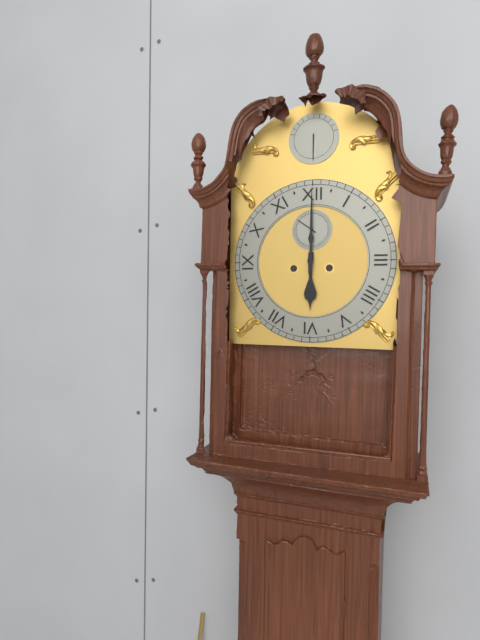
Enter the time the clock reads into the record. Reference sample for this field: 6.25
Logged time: 6.00
